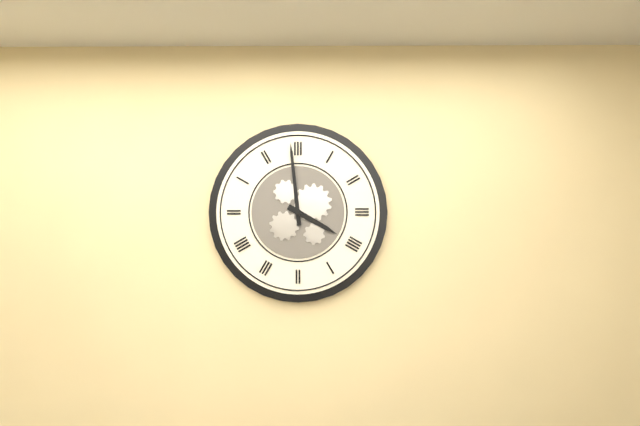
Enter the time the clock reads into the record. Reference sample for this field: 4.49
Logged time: 3.59
